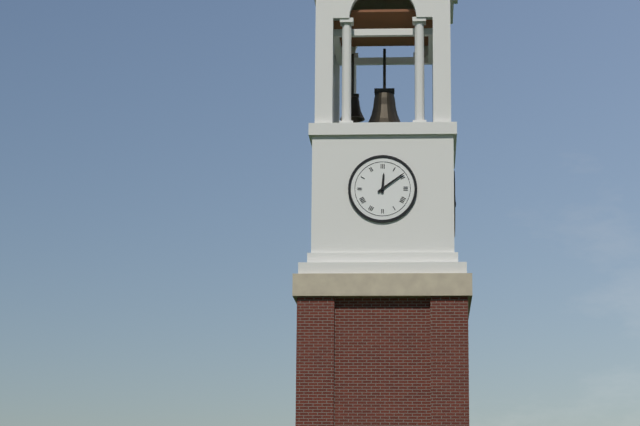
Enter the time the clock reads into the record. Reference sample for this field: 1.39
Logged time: 12.09
